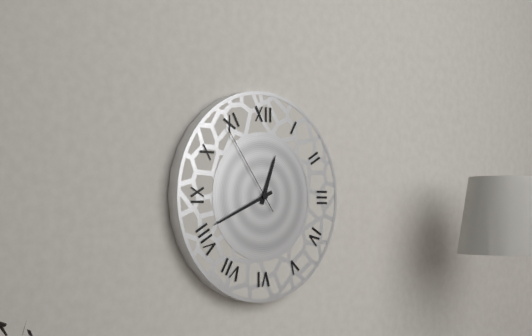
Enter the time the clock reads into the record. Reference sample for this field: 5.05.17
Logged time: 12.41.54
